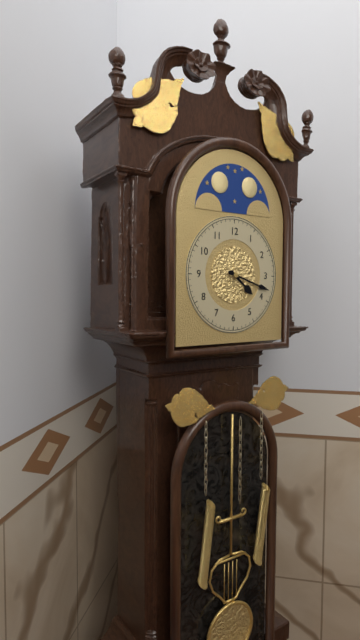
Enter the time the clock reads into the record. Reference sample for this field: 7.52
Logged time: 4.18
